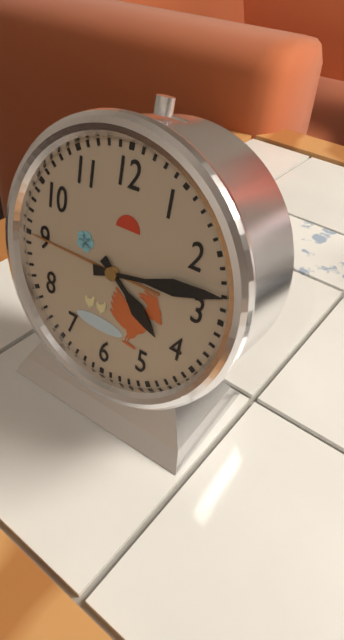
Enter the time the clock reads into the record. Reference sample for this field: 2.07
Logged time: 4.13
